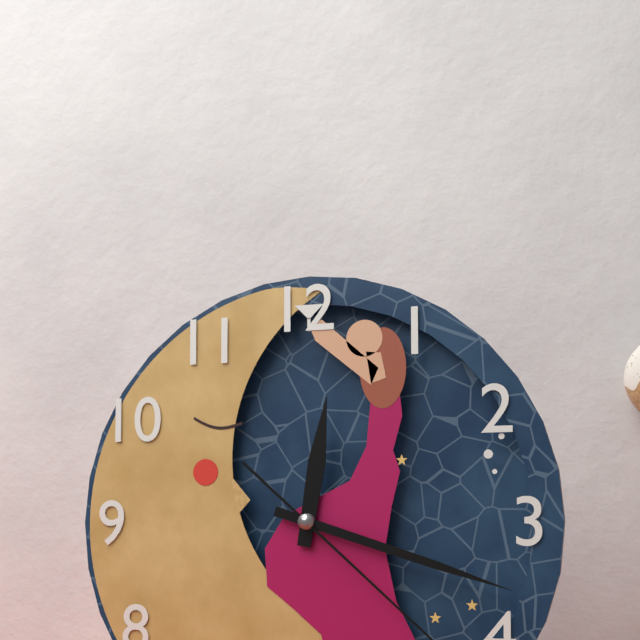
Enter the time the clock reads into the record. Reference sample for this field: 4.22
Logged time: 12.18
